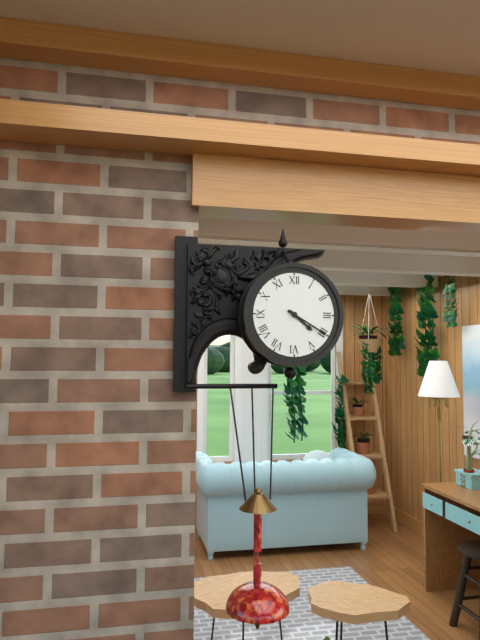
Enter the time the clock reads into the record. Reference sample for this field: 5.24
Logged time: 4.20
